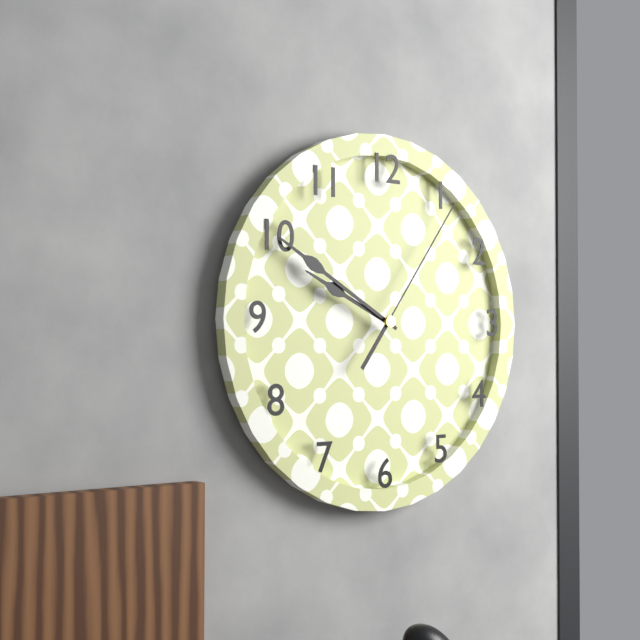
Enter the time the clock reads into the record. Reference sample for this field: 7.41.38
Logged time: 9.50.06
